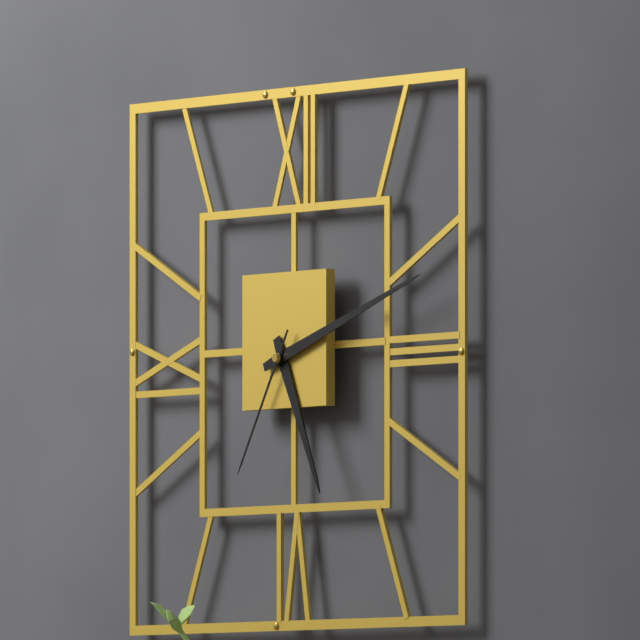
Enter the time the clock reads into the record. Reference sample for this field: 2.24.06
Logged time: 5.12.35
